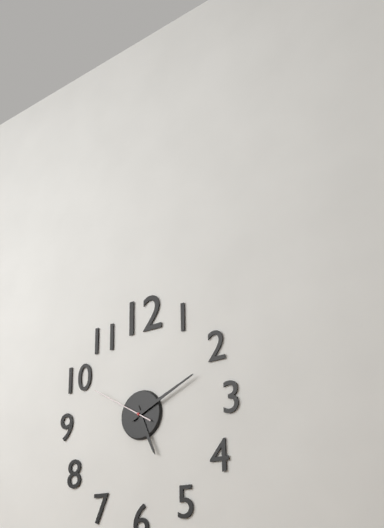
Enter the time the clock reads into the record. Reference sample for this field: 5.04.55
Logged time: 5.11.50
